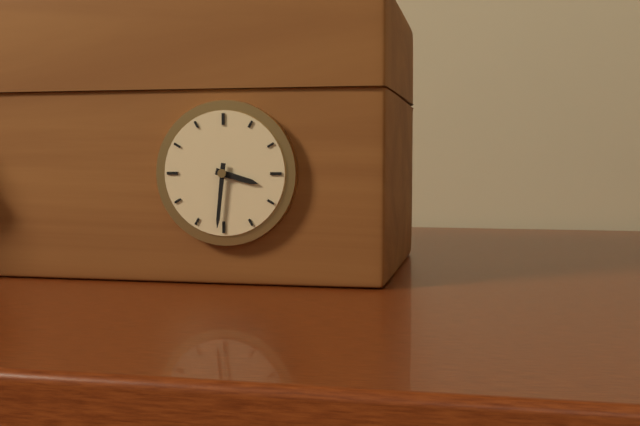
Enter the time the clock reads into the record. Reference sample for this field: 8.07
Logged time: 3.31
